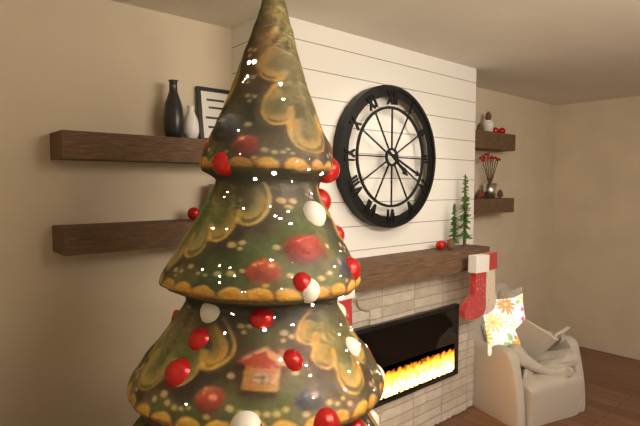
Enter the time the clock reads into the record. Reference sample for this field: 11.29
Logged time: 4.19
